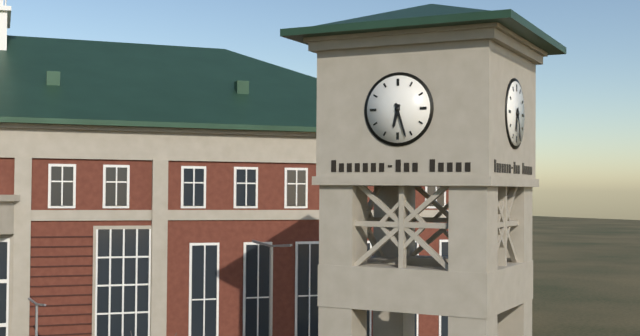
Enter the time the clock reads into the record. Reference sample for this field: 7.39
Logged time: 6.27
